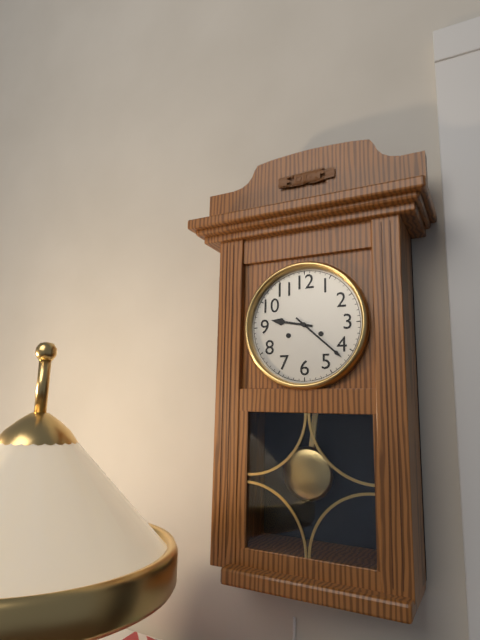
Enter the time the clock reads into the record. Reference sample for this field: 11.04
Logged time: 9.22
